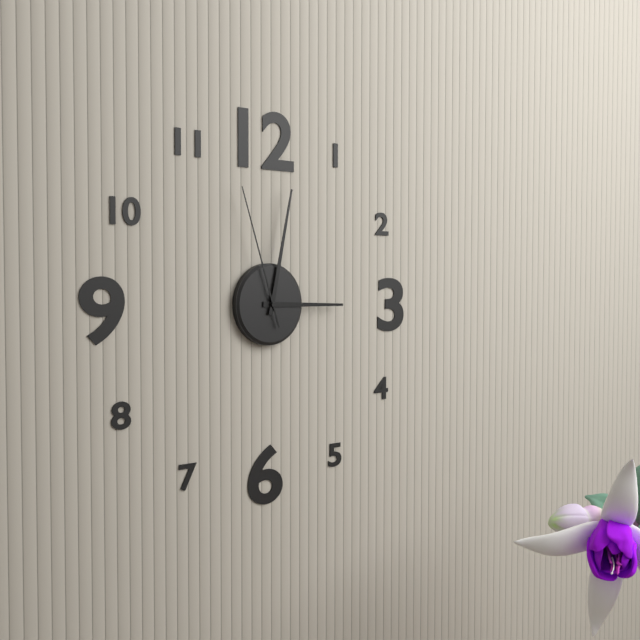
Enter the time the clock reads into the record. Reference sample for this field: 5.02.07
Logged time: 3.02.57
